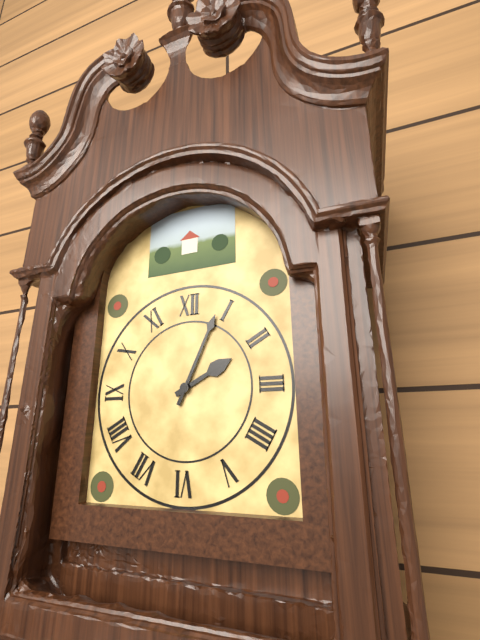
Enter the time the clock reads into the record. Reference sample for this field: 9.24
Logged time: 2.04
